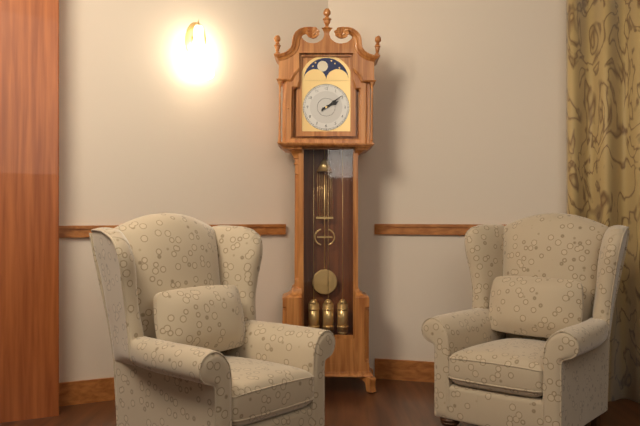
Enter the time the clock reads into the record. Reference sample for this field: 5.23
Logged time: 2.09
